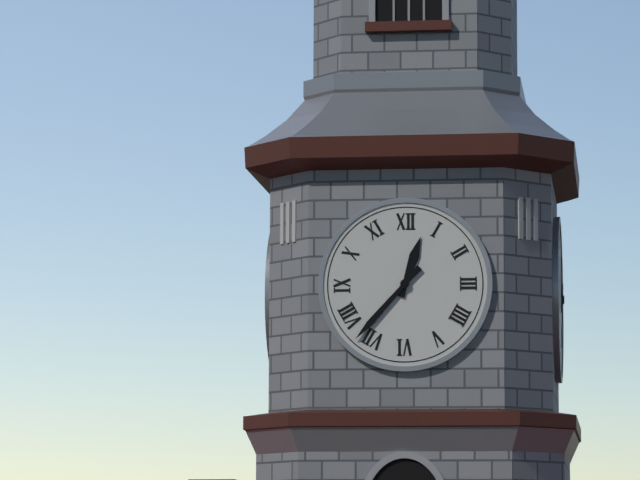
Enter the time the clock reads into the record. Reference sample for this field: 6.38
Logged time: 12.37
